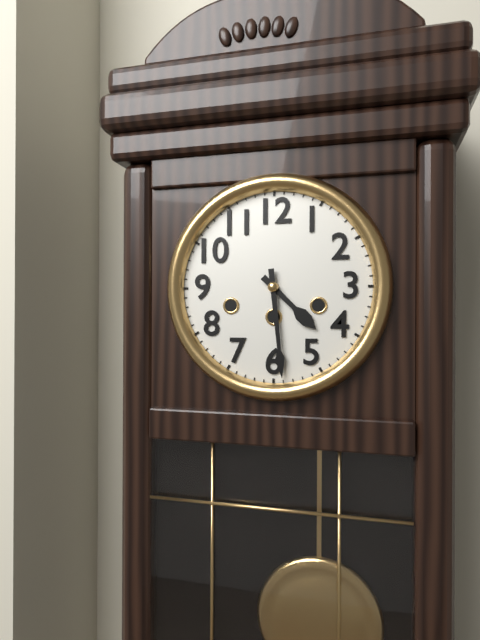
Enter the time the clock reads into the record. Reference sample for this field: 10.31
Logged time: 4.29
